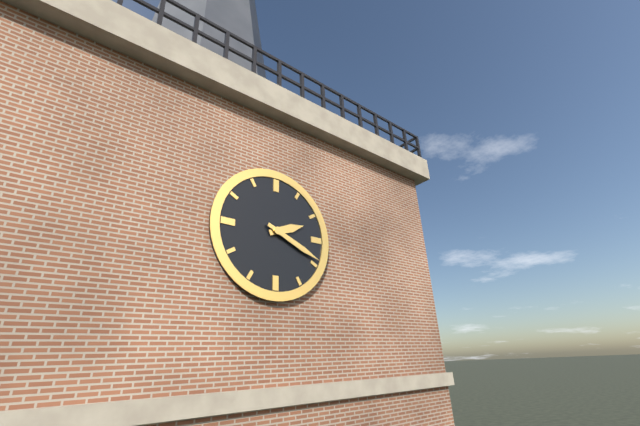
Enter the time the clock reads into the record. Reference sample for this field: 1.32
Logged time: 2.19
